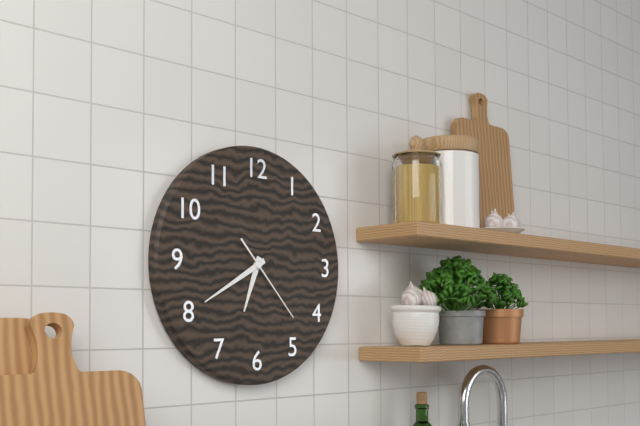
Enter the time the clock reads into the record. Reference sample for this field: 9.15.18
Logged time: 6.40.23
